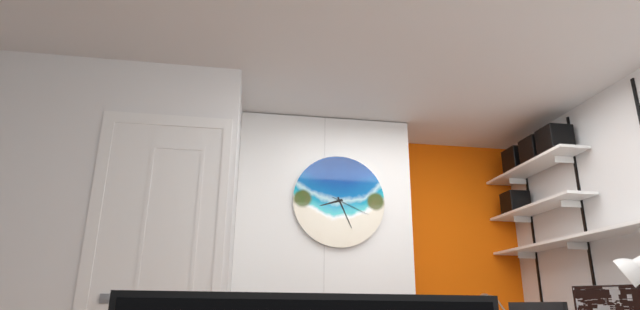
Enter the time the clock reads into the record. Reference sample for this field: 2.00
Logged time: 8.26
